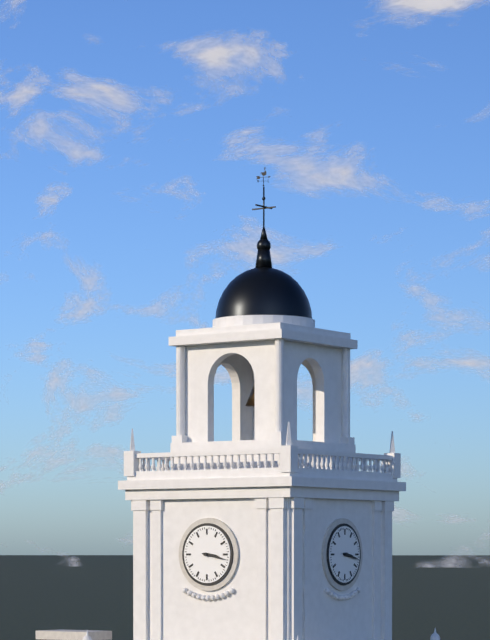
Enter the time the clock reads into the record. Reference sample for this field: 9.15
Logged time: 3.17
